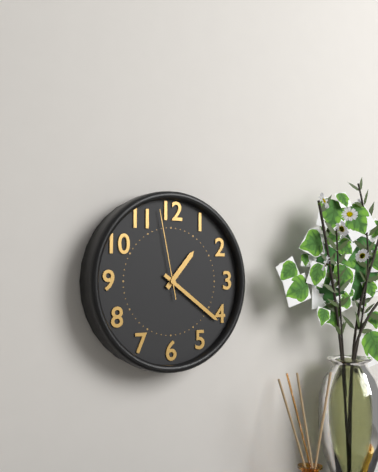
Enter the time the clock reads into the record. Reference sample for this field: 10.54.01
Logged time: 1.21.58
